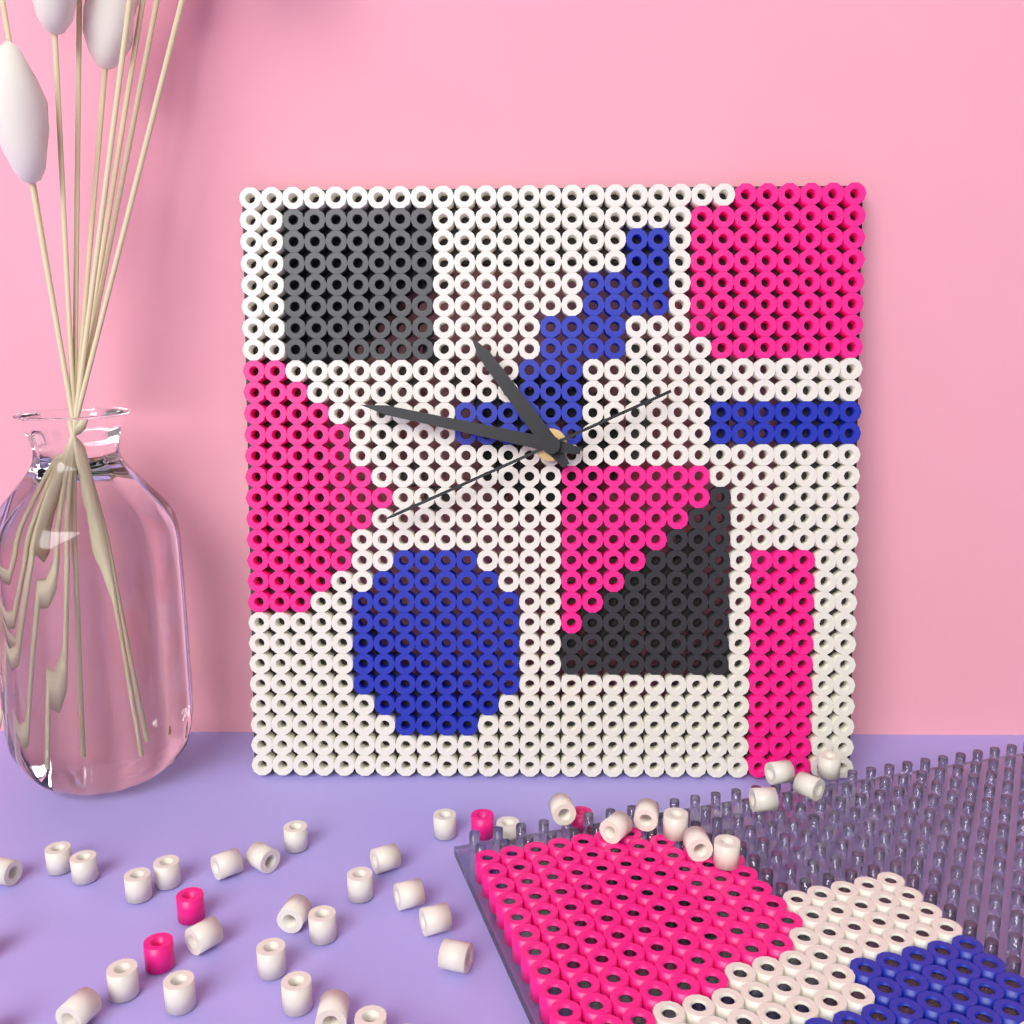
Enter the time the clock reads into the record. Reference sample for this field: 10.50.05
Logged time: 10.47.41
